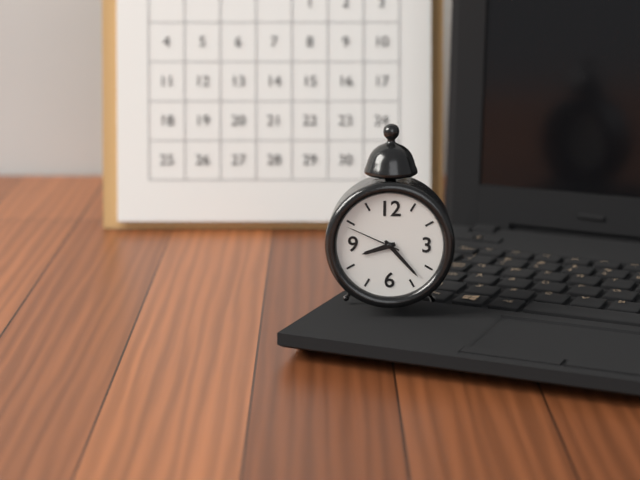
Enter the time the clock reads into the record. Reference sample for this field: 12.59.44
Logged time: 8.23.49
